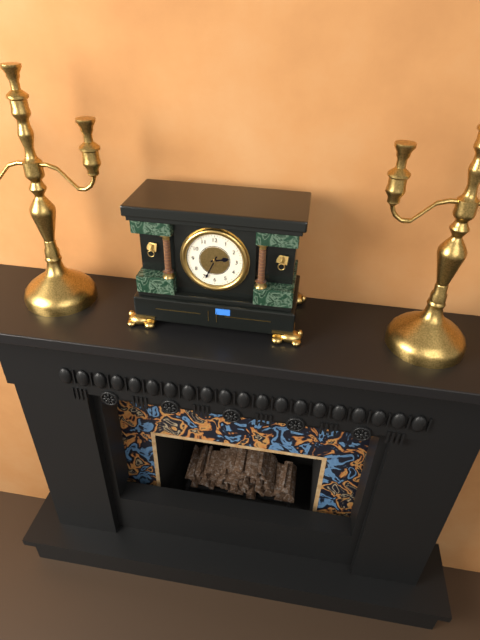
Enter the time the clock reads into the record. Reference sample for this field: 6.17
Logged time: 2.34
